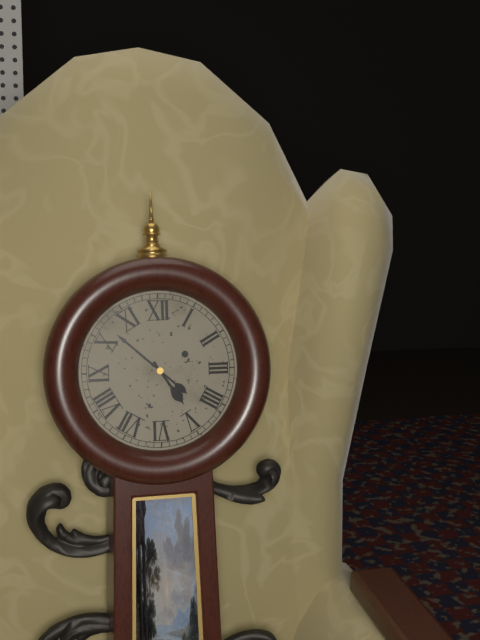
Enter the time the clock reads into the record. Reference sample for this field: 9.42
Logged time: 4.52
